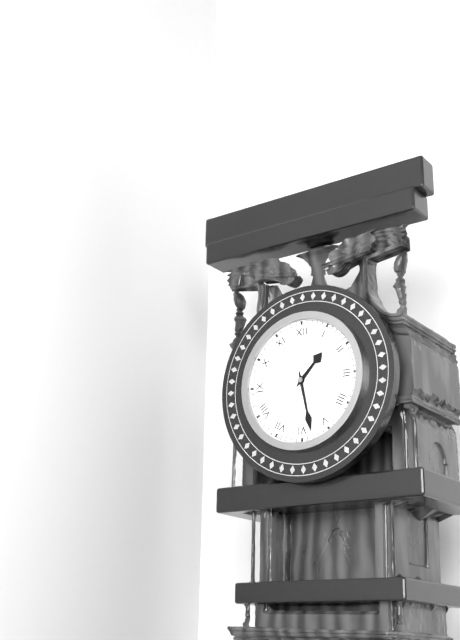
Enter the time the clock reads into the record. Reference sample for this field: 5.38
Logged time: 1.28
